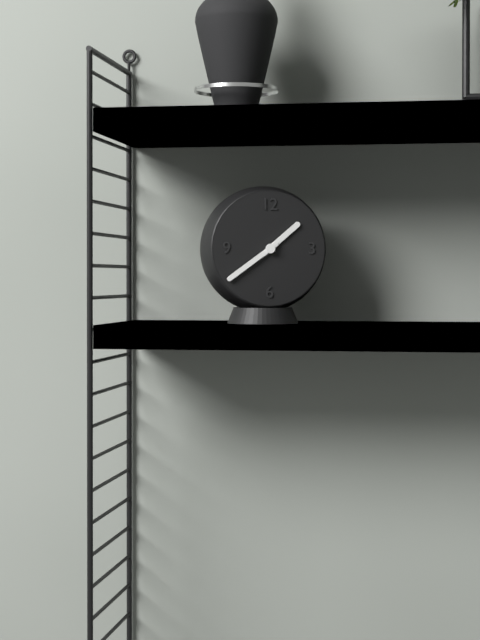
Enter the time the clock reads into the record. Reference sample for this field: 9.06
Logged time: 1.39
